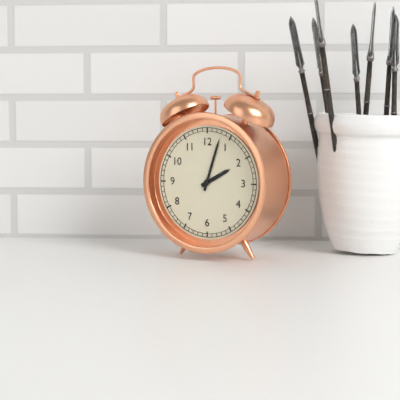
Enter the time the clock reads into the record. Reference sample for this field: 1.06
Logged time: 2.03
